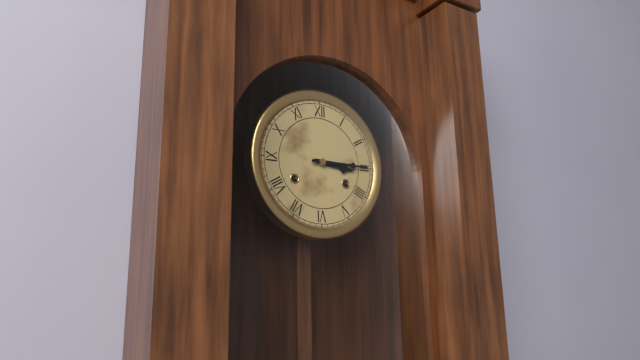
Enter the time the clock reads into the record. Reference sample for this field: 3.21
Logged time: 3.15
